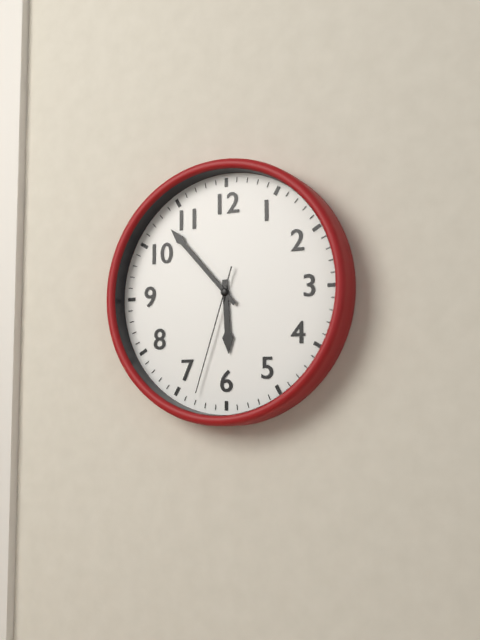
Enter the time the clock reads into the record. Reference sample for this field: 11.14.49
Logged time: 5.53.33
